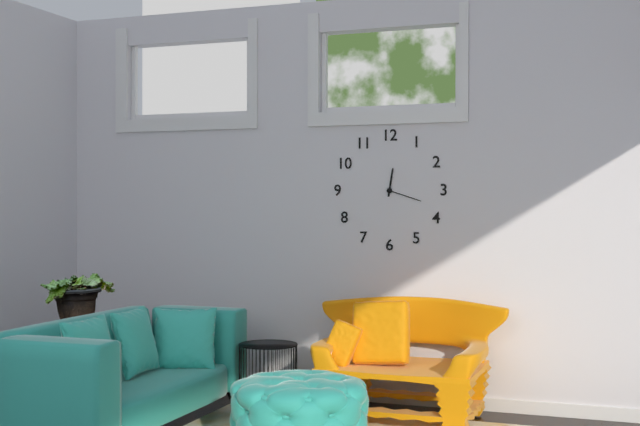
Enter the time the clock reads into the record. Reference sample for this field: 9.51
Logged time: 12.18
